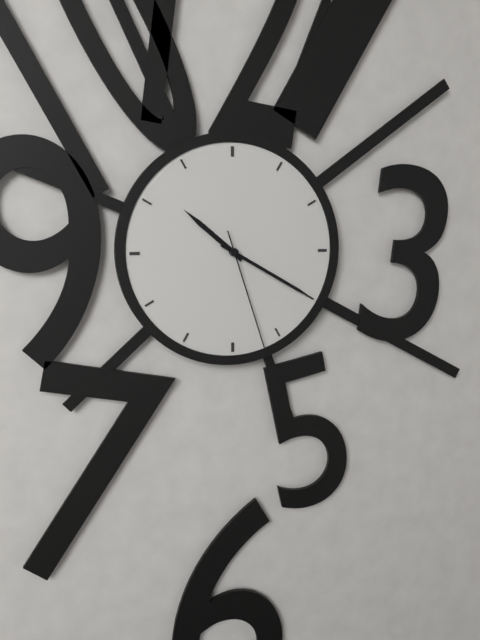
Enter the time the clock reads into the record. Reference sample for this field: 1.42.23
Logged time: 10.20.27
